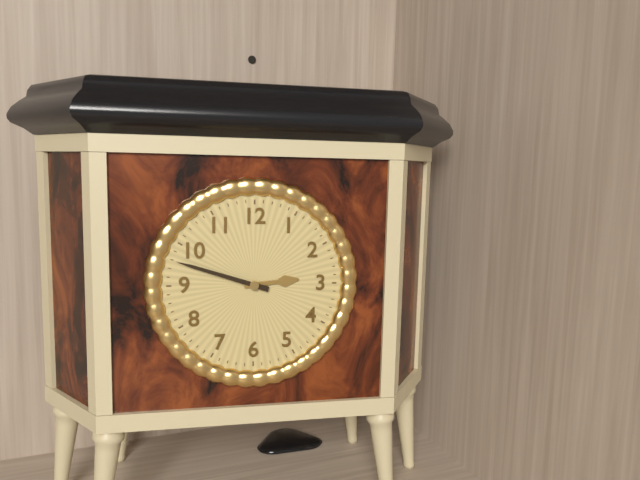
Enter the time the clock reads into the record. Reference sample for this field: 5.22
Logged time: 2.48
